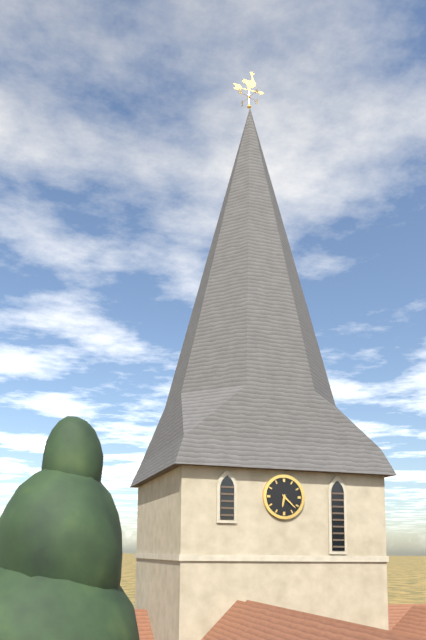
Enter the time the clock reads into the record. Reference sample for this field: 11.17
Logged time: 6.22
